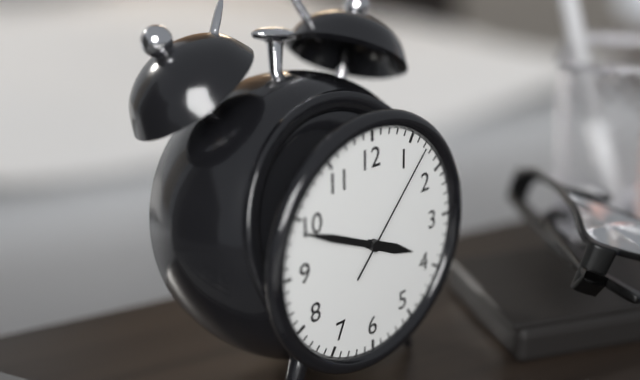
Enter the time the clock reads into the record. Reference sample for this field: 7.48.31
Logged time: 3.49.07
